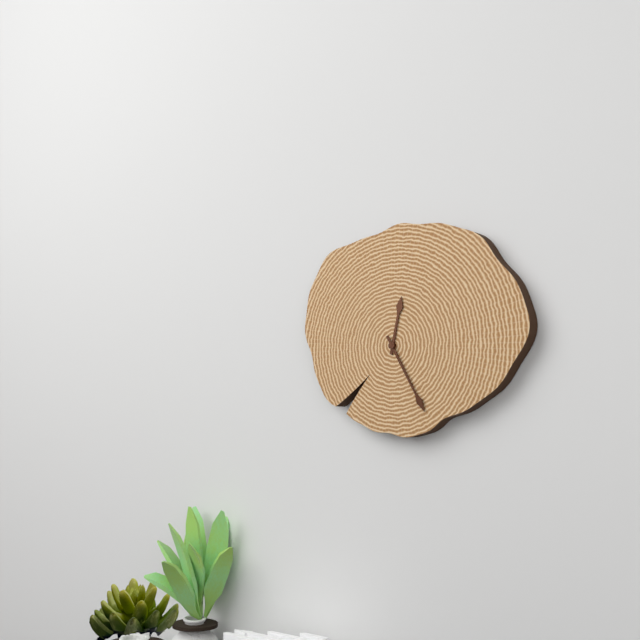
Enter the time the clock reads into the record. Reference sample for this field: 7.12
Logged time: 12.25
